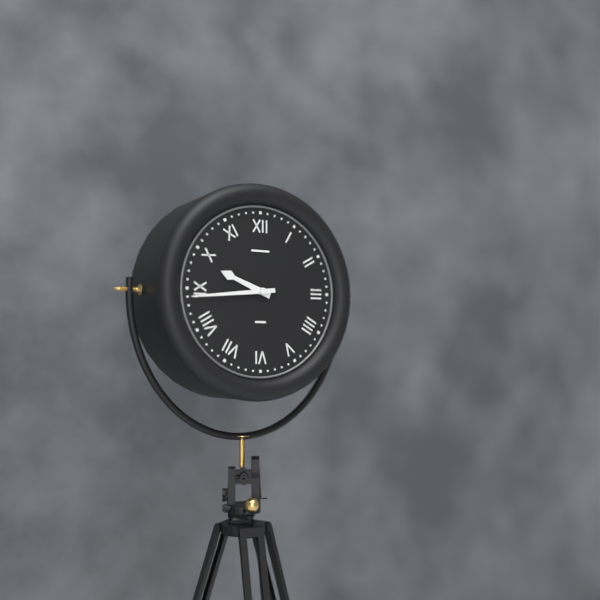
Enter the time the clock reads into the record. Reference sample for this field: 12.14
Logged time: 9.44
